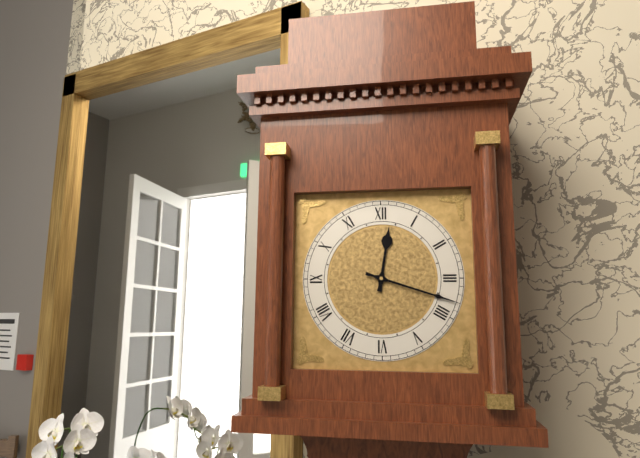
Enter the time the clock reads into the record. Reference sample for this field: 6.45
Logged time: 12.18
